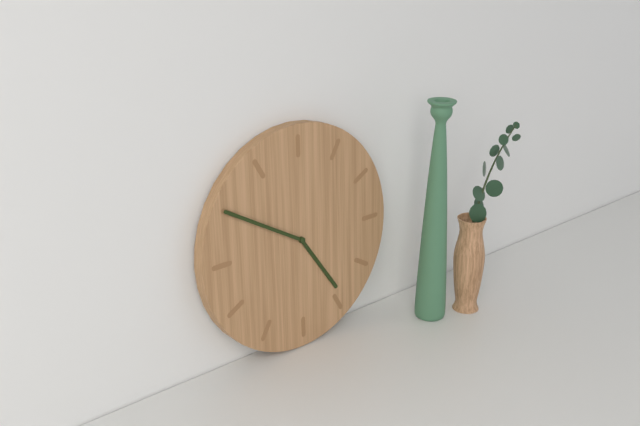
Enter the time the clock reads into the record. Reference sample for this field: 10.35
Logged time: 4.50
